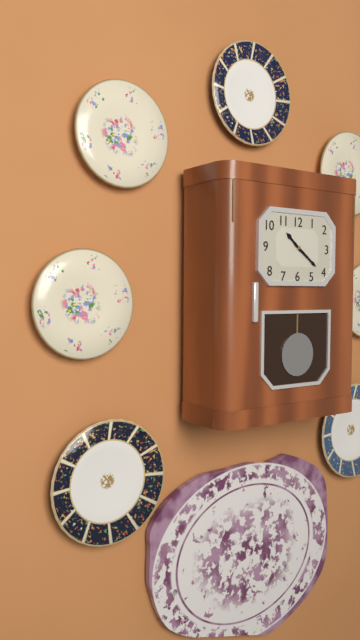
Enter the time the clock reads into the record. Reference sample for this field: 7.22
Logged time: 10.21
